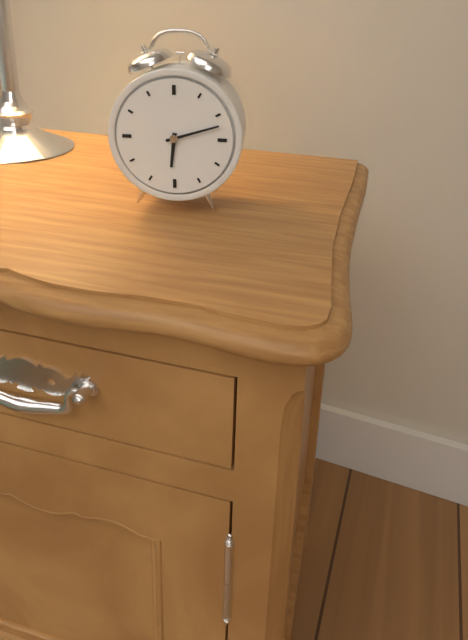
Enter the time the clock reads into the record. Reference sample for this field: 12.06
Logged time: 6.12
